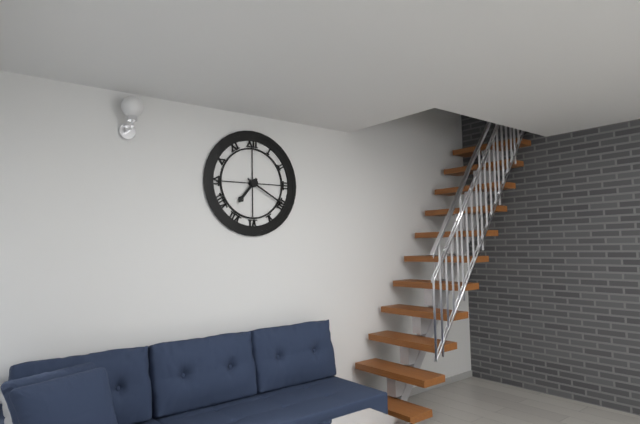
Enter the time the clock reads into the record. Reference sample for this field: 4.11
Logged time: 7.20
